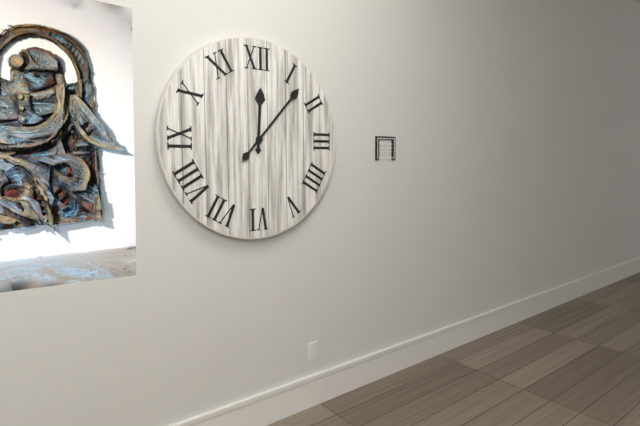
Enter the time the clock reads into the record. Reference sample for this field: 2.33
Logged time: 12.07
